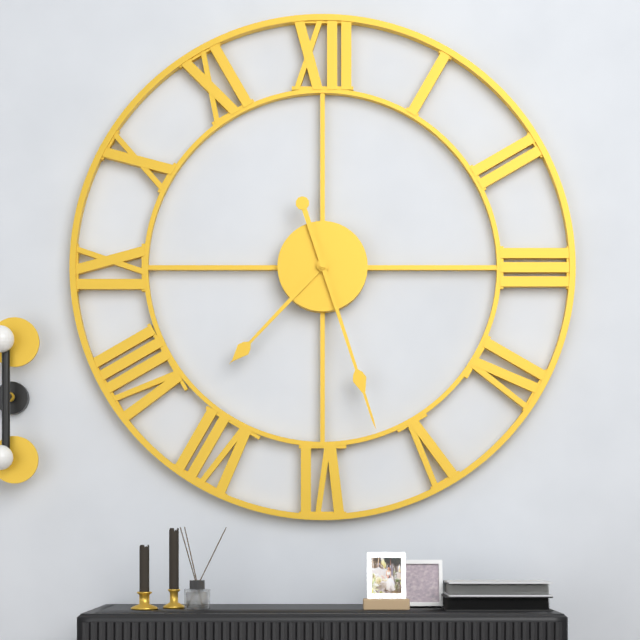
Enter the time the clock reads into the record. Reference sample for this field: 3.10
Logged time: 7.27
